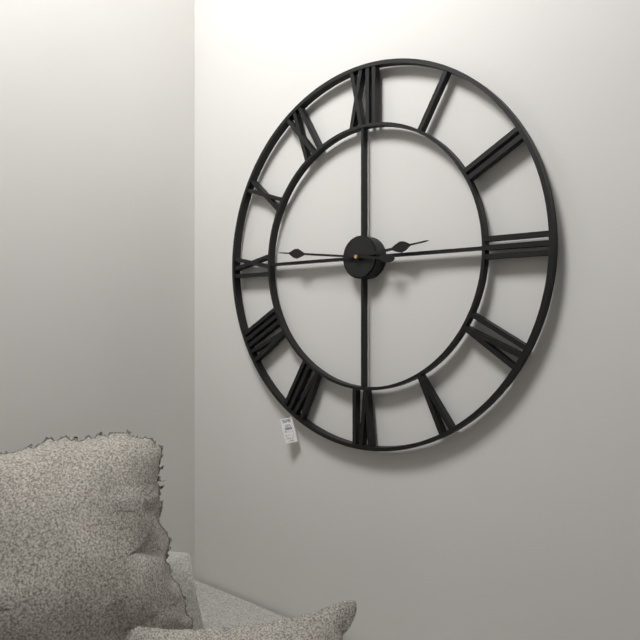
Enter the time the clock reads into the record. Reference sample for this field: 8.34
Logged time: 2.46
